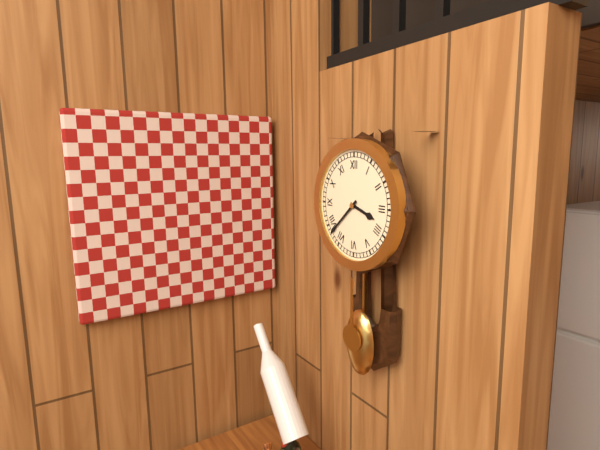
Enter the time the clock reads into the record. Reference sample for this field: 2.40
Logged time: 3.38
